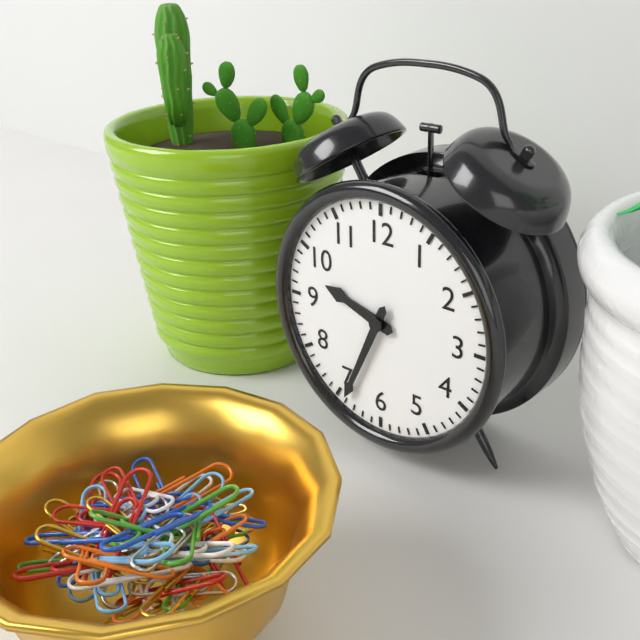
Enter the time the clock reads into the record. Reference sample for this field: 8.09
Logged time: 9.34
